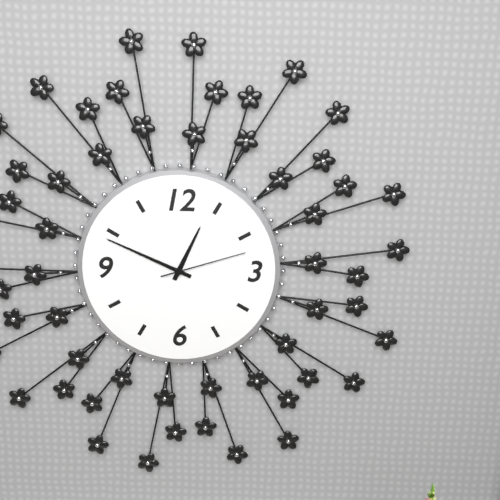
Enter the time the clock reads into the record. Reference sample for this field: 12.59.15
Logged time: 12.49.12
